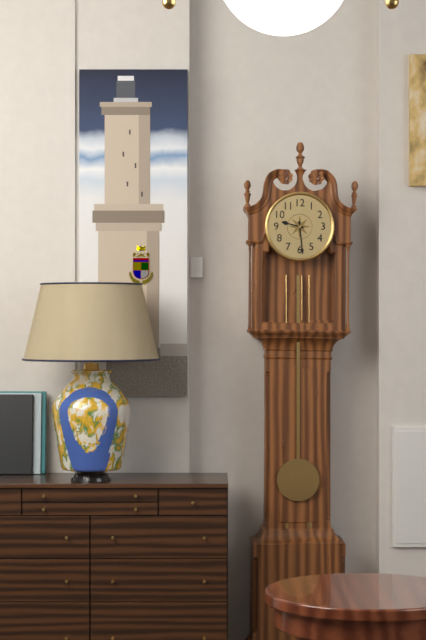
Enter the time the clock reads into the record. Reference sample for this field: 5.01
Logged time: 9.29
